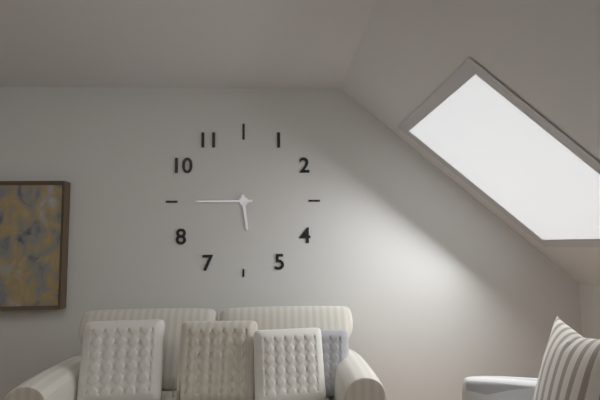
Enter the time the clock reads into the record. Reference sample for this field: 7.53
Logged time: 5.45
